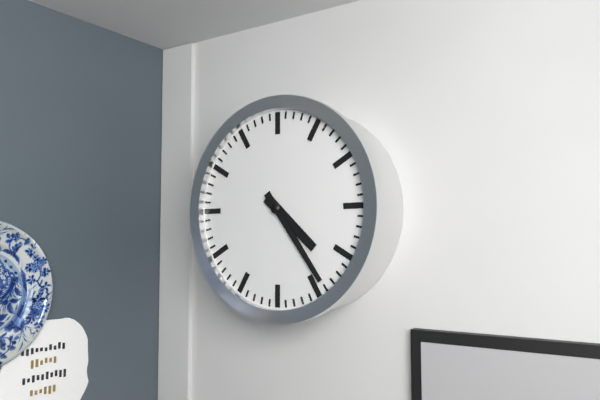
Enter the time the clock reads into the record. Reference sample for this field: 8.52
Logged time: 4.24
